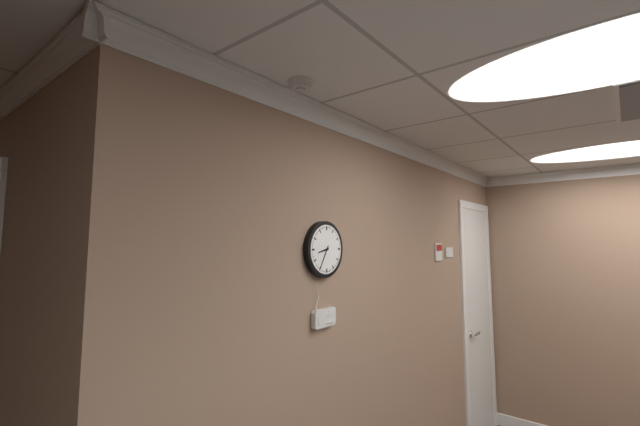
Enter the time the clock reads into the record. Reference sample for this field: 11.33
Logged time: 8.35
